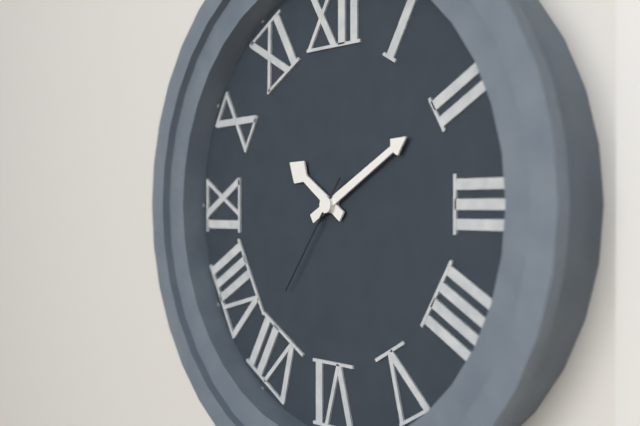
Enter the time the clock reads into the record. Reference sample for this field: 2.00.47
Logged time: 10.10.36
